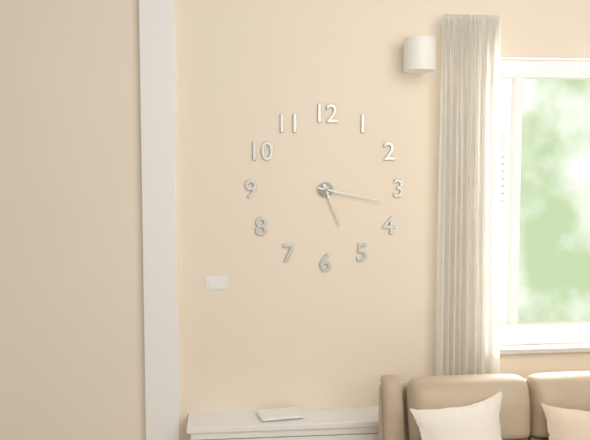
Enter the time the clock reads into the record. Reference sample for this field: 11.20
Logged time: 5.17
